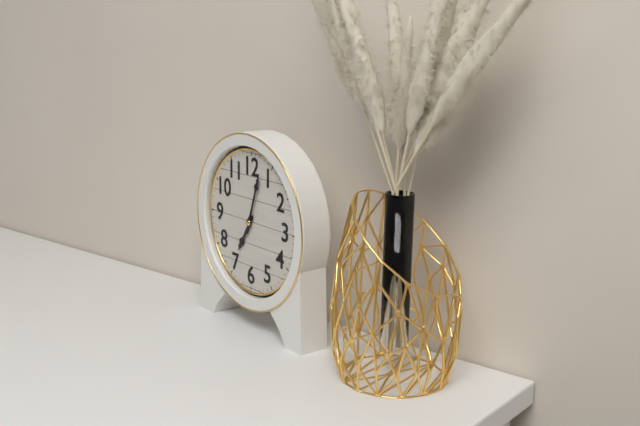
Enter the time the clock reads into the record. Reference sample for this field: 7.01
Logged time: 7.03
